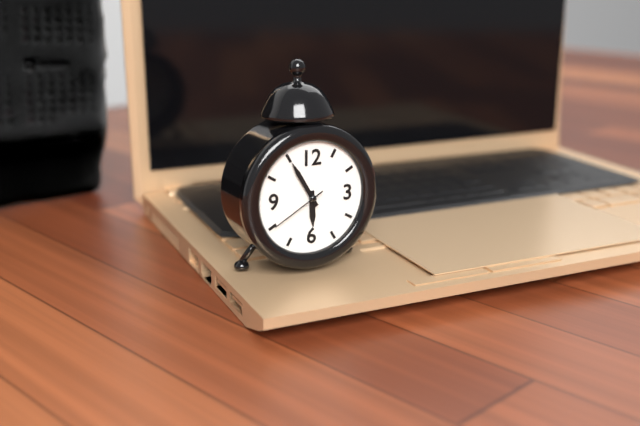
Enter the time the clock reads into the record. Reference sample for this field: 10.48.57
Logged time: 5.55.40
